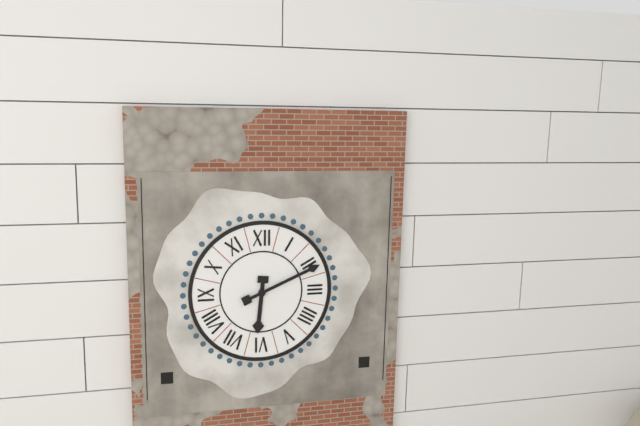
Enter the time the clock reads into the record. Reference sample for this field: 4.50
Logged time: 6.11
